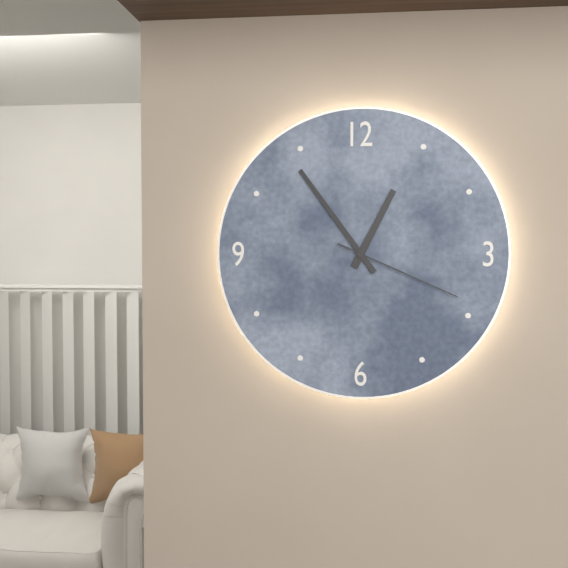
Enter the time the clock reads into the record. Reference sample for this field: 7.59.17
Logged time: 12.54.19
